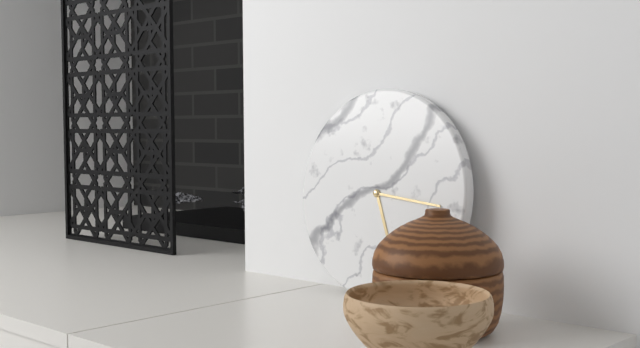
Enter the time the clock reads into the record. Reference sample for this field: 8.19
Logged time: 5.16
